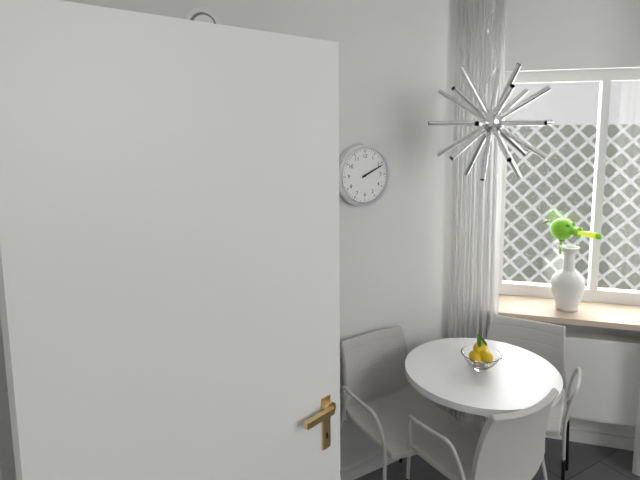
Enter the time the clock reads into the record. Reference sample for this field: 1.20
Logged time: 2.11
